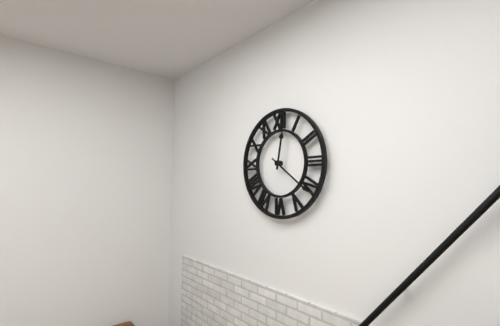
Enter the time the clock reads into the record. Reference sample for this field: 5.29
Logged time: 12.21
